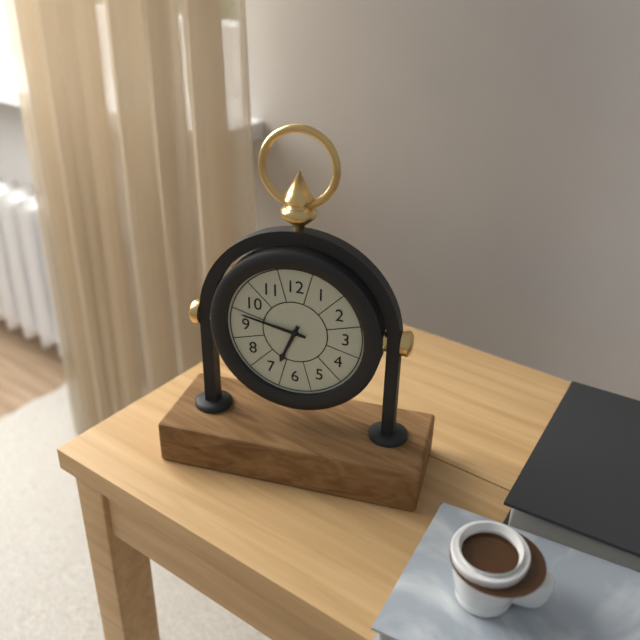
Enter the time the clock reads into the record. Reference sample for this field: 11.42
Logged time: 6.47
